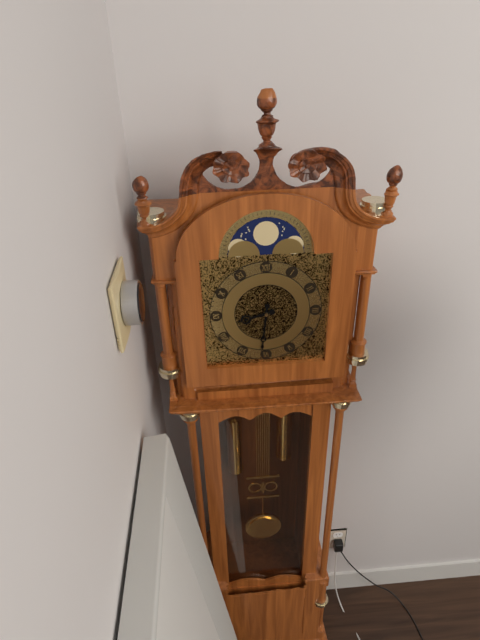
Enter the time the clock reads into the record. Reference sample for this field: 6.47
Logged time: 8.31
